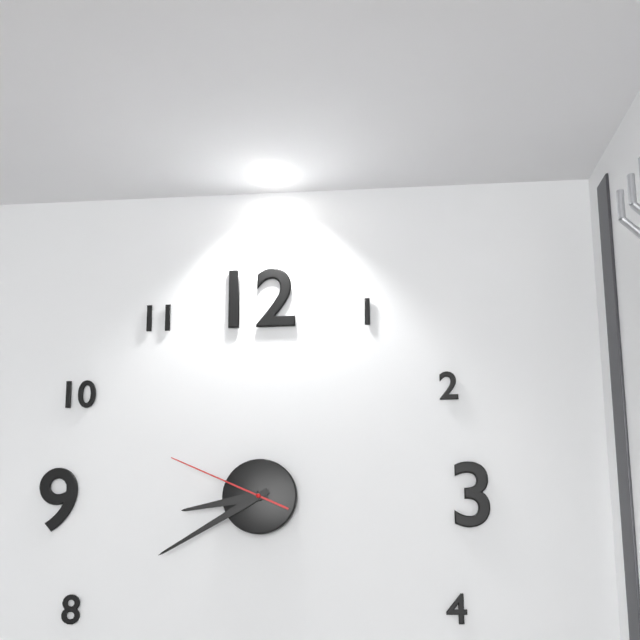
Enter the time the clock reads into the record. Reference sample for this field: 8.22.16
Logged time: 8.40.49
